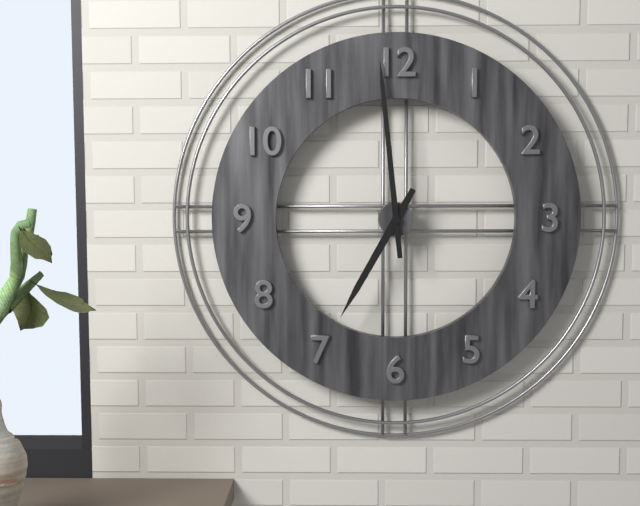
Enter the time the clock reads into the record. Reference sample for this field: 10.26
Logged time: 6.59
